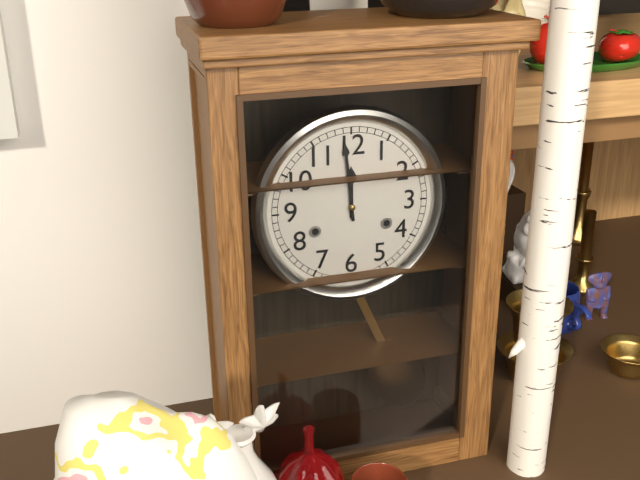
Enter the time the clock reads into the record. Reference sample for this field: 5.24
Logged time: 11.59
